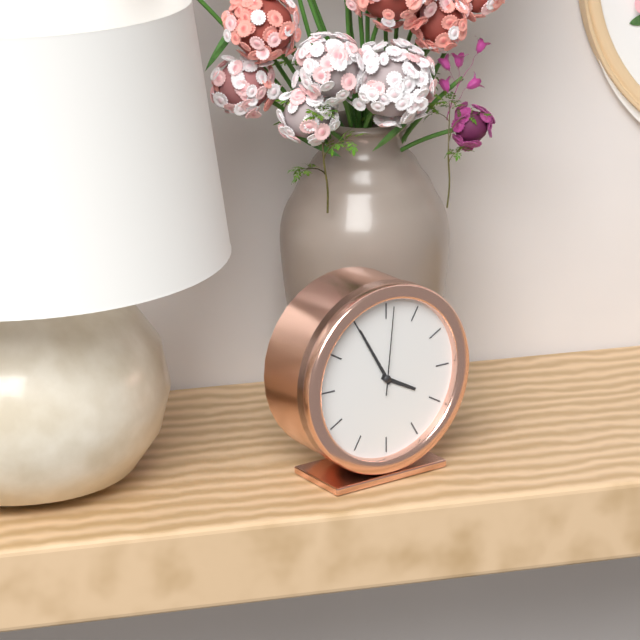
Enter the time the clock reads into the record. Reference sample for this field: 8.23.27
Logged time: 3.55.01
